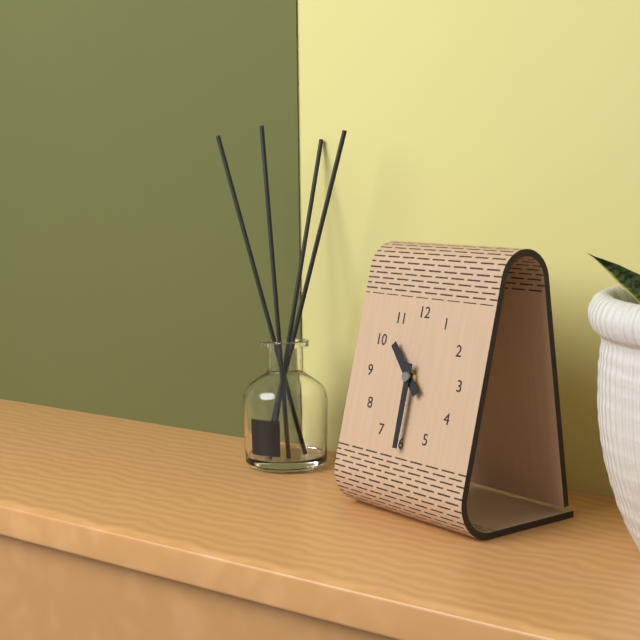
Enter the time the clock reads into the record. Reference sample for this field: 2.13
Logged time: 10.30
